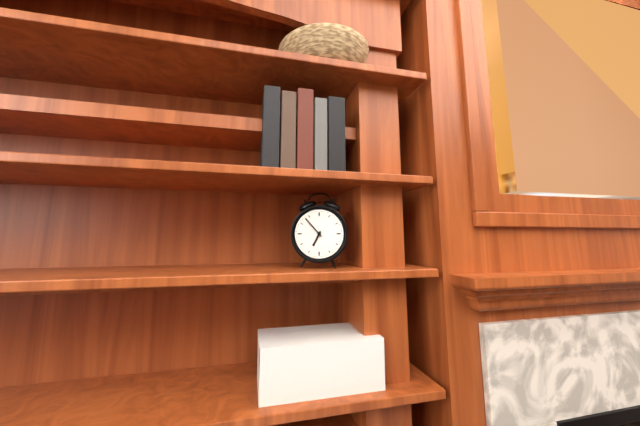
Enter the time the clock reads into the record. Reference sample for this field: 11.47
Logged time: 6.53
